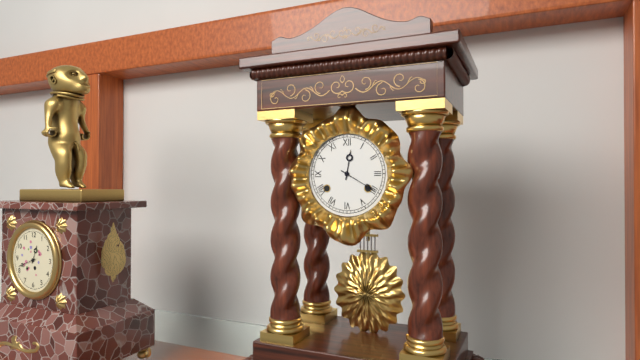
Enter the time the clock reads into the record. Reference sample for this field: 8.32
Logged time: 12.20
